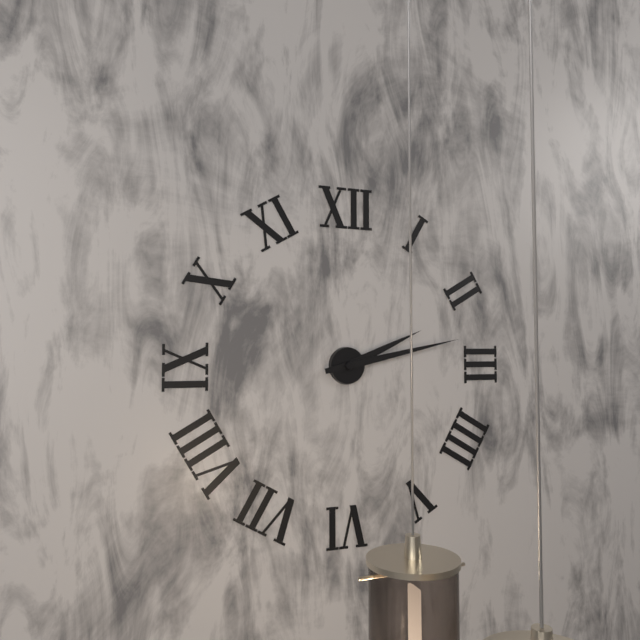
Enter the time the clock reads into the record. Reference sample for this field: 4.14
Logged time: 2.13
